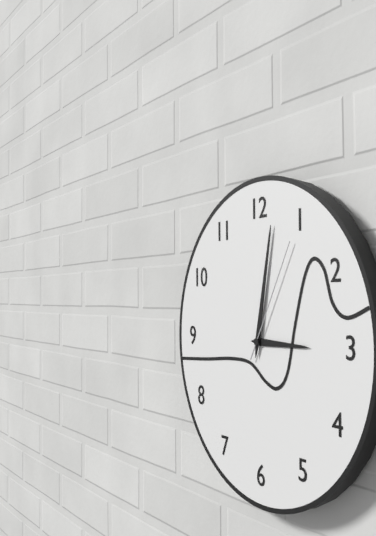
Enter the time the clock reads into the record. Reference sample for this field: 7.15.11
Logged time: 3.02.05
